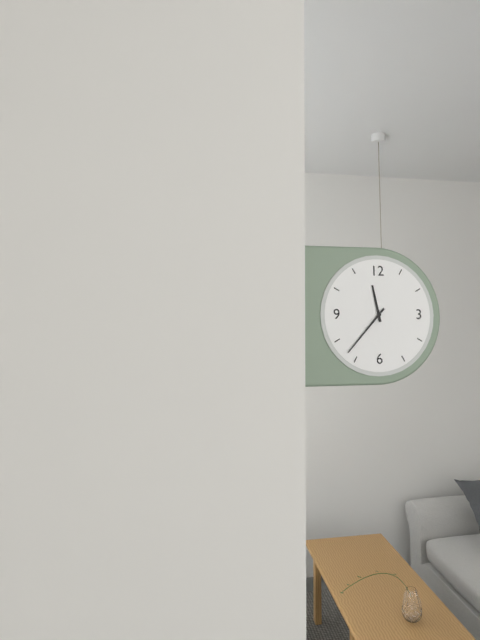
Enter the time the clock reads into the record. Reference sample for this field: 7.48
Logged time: 11.37
